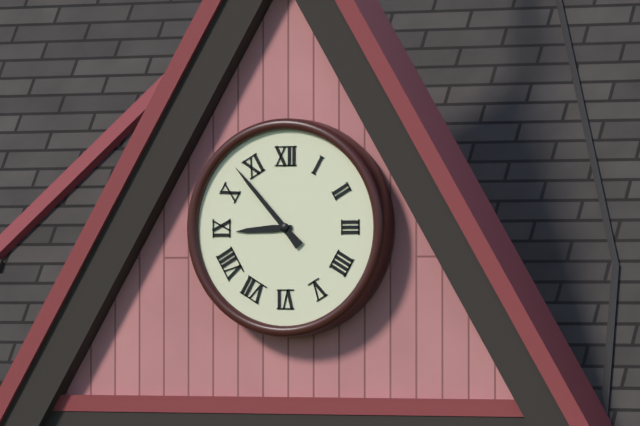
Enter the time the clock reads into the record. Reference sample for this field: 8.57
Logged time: 8.53
